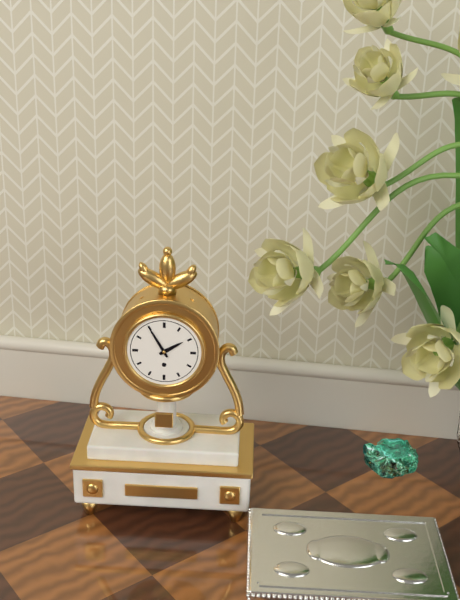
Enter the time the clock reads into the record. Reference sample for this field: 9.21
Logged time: 1.55
